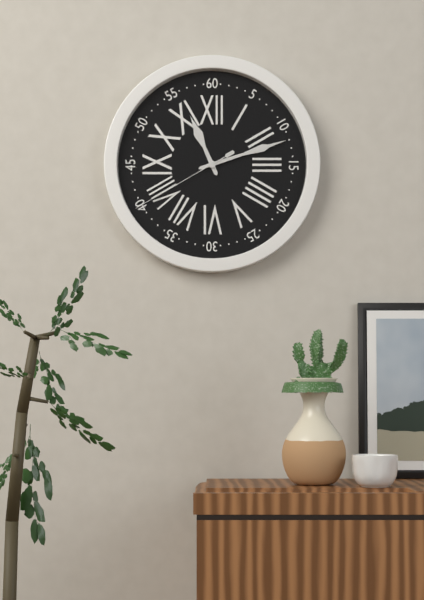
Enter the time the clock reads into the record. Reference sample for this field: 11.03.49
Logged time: 11.12.40
